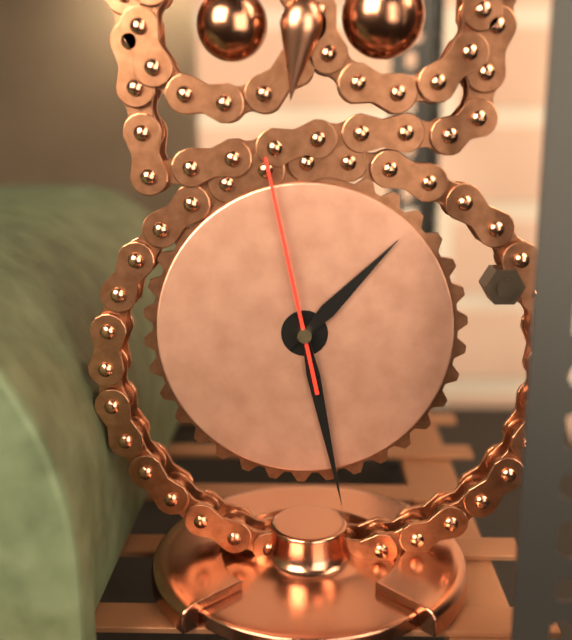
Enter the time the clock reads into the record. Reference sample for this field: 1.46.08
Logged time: 1.28.58
